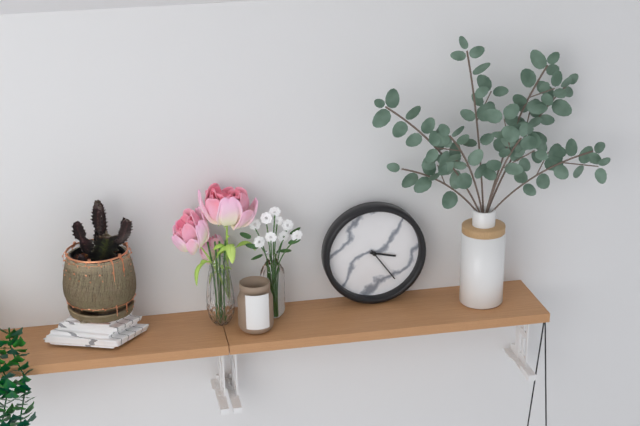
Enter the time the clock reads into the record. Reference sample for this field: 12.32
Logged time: 3.24
